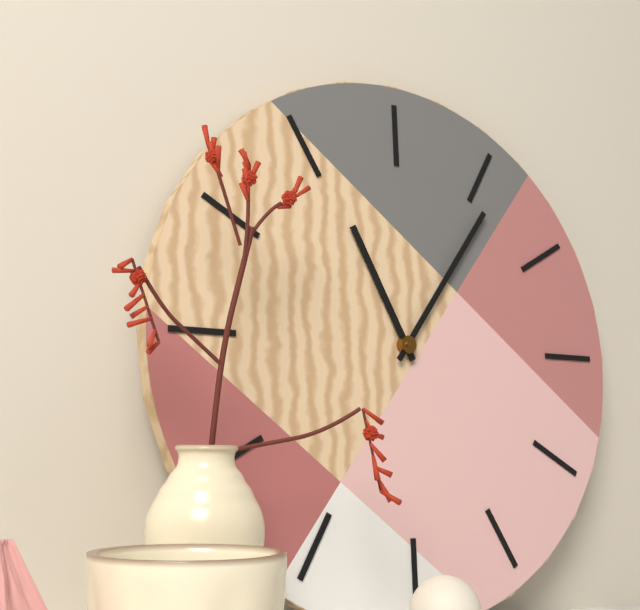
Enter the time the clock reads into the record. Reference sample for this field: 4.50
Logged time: 11.06
